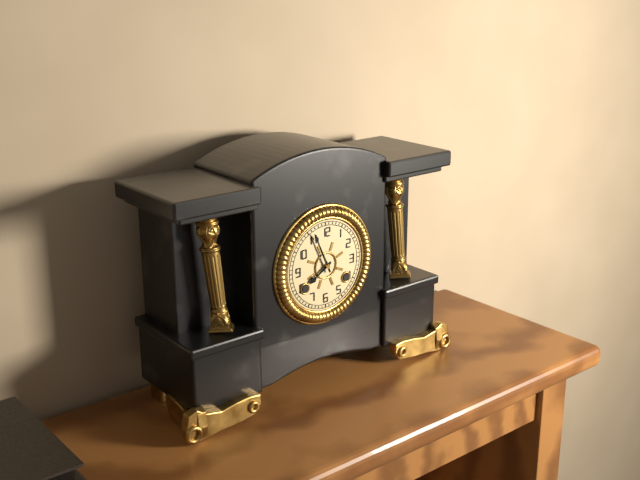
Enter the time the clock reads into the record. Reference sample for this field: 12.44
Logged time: 7.56
